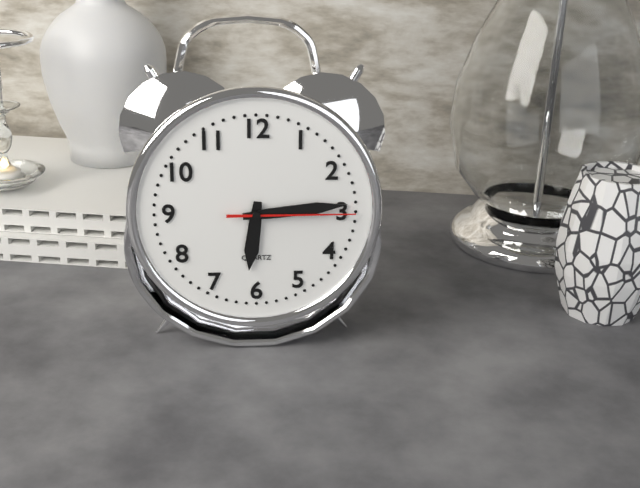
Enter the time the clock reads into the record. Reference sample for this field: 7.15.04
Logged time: 6.14.15
